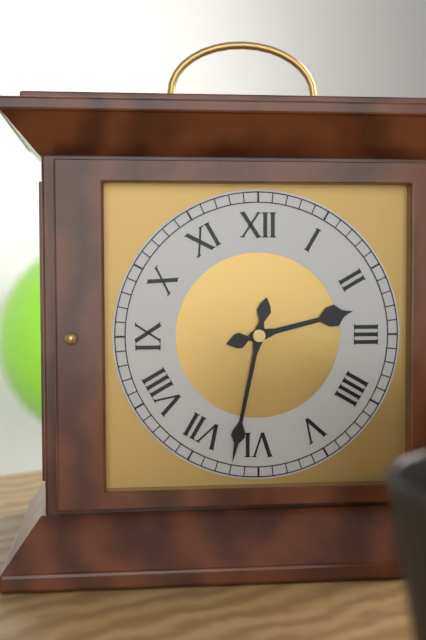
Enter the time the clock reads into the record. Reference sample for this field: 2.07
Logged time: 2.32
